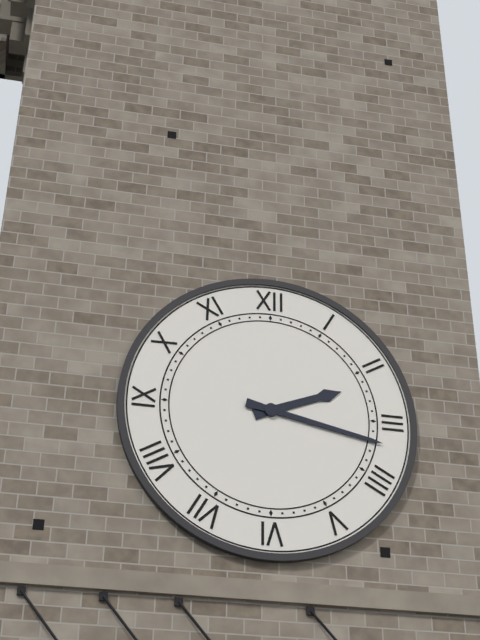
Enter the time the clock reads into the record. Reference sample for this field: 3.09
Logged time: 2.17
